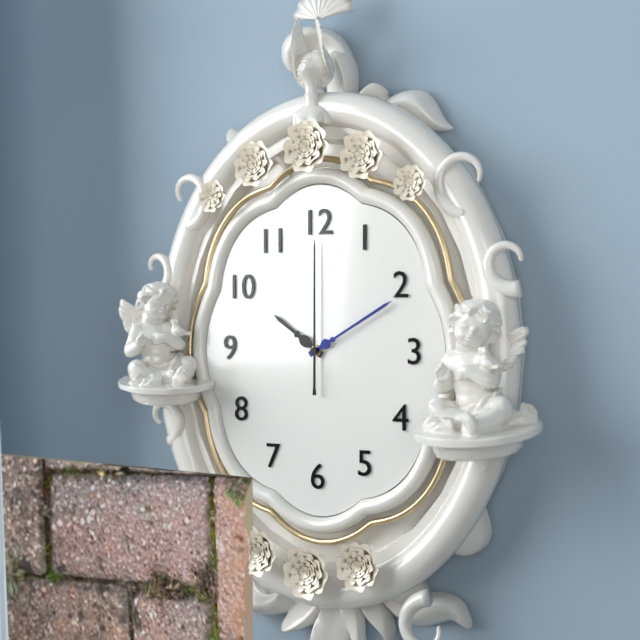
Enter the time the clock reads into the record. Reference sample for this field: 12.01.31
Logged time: 10.10.00
